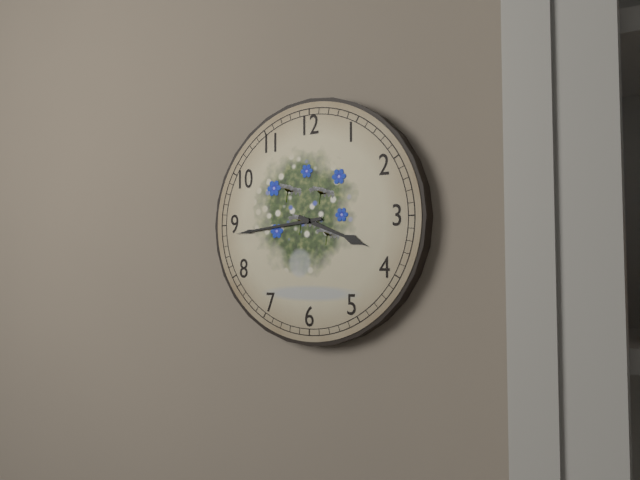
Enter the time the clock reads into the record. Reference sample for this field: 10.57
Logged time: 3.44
